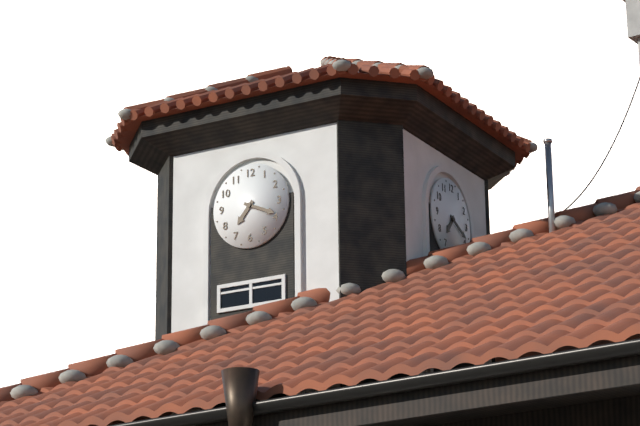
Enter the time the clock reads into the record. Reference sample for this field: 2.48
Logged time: 7.19
